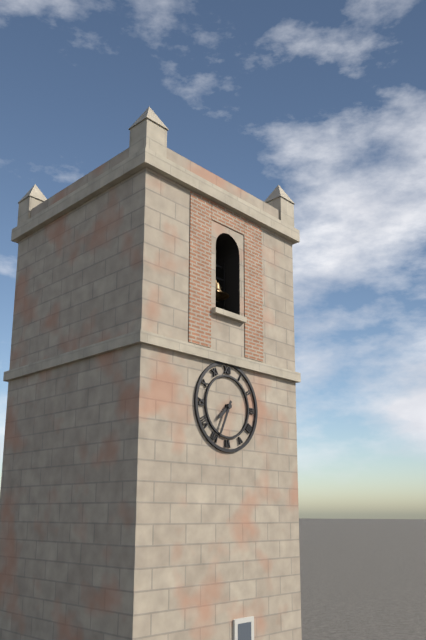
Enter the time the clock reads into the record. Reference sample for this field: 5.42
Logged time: 7.34
